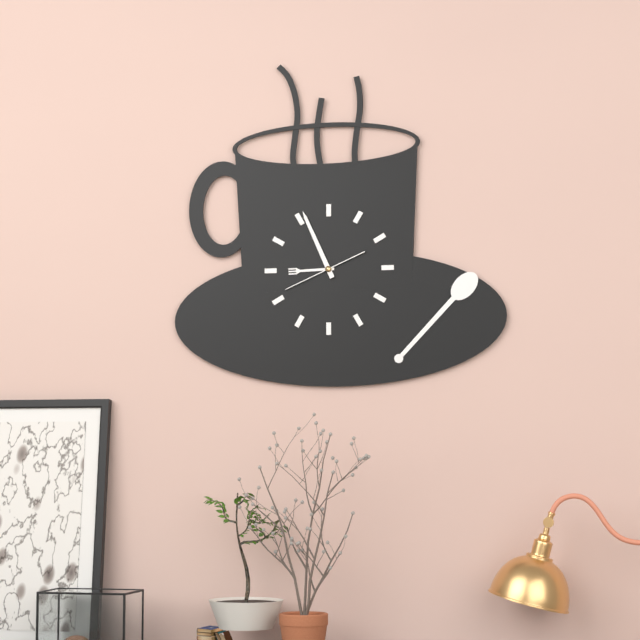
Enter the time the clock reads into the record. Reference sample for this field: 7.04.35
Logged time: 8.56.41
